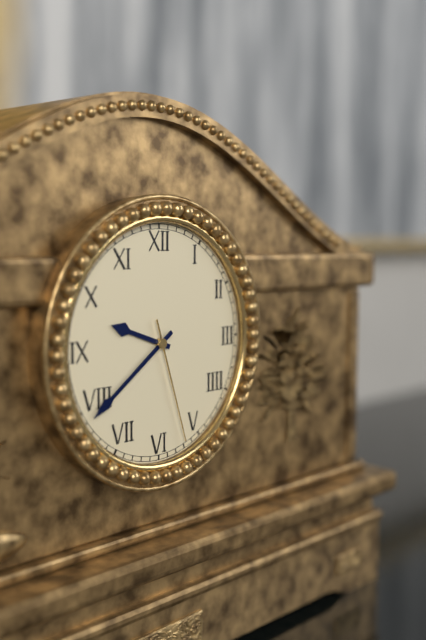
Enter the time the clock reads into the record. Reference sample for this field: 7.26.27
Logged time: 9.39.27
